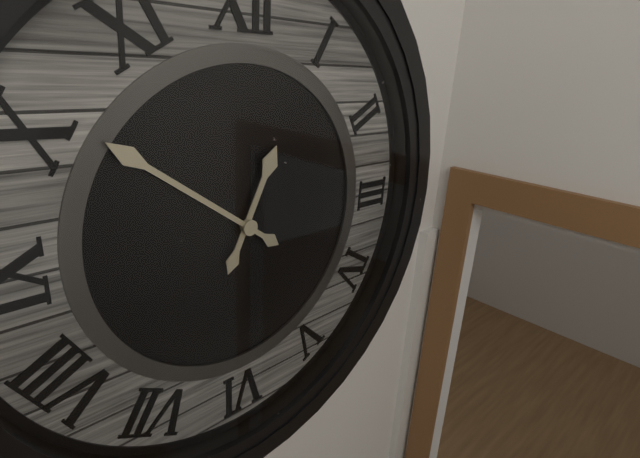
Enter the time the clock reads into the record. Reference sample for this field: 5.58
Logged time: 12.51
